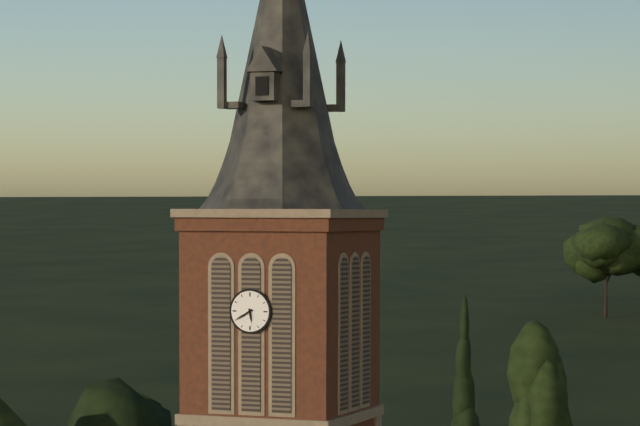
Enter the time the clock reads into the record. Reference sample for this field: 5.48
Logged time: 5.40
